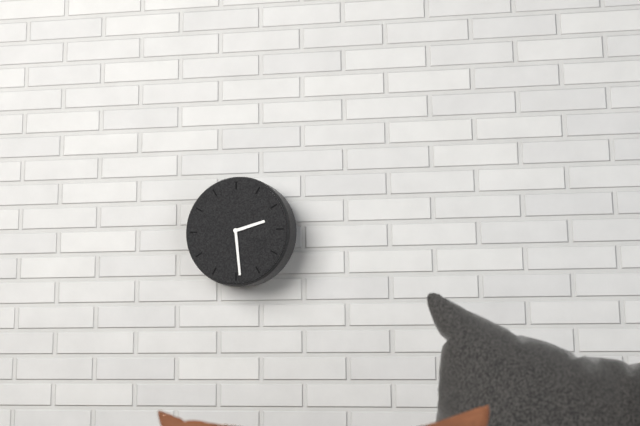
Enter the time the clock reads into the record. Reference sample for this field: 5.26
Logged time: 2.29
